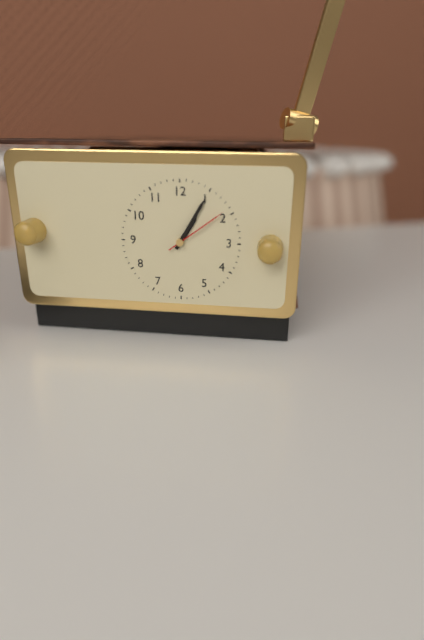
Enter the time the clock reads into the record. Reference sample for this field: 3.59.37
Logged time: 1.05.09
